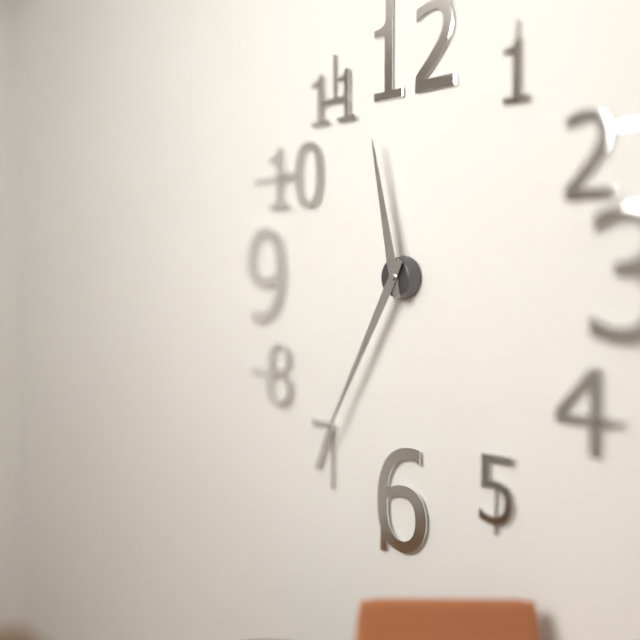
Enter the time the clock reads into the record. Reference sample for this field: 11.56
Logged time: 11.35
